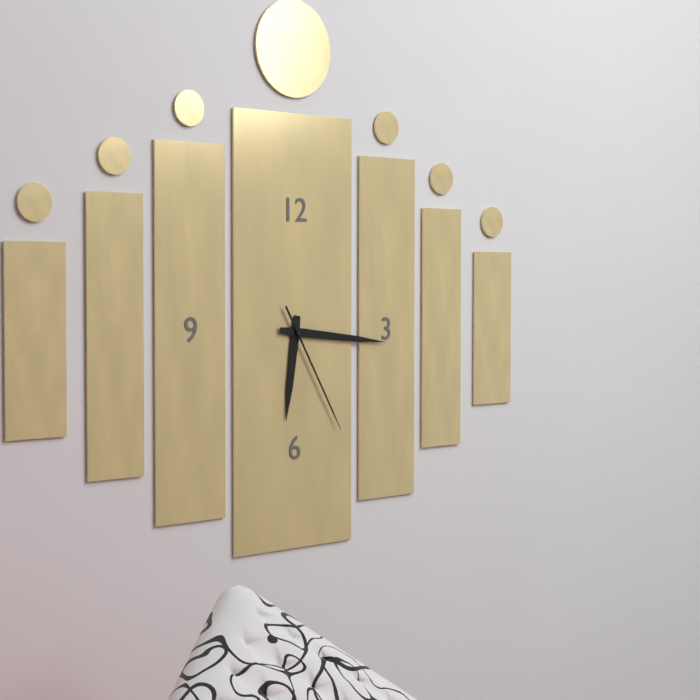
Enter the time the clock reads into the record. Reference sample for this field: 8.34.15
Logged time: 6.16.25
